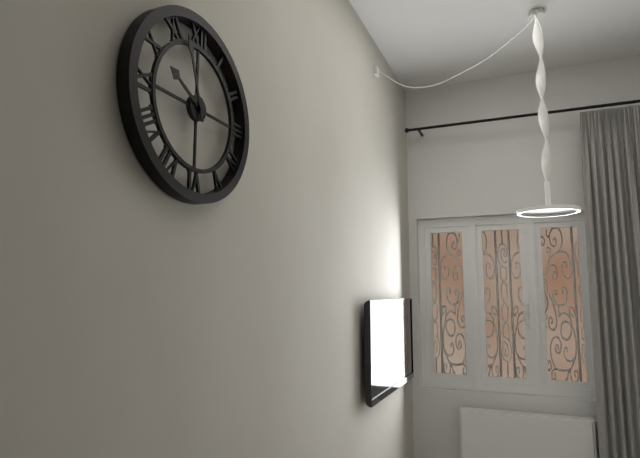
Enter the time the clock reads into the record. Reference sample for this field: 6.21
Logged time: 9.57
